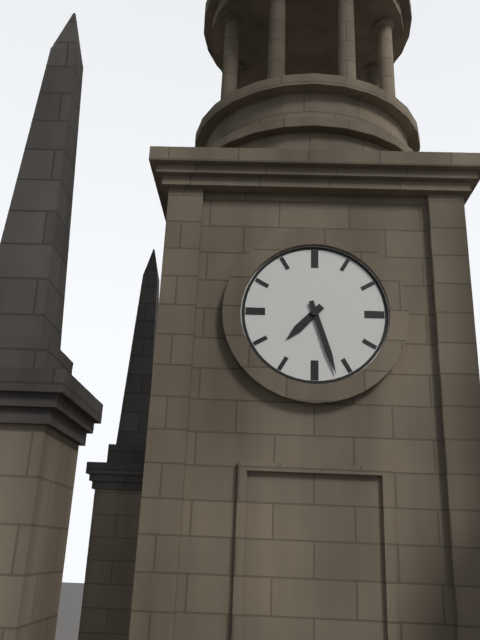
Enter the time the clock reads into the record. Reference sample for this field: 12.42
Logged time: 7.27
